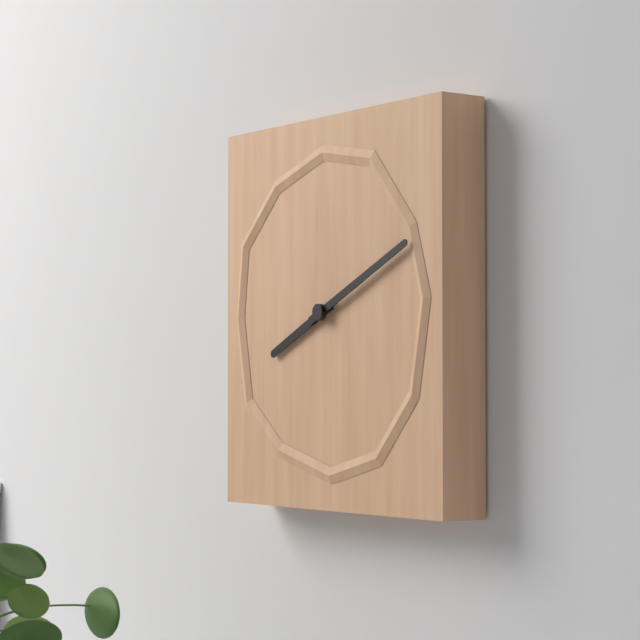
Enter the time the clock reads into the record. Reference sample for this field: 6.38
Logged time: 8.11
